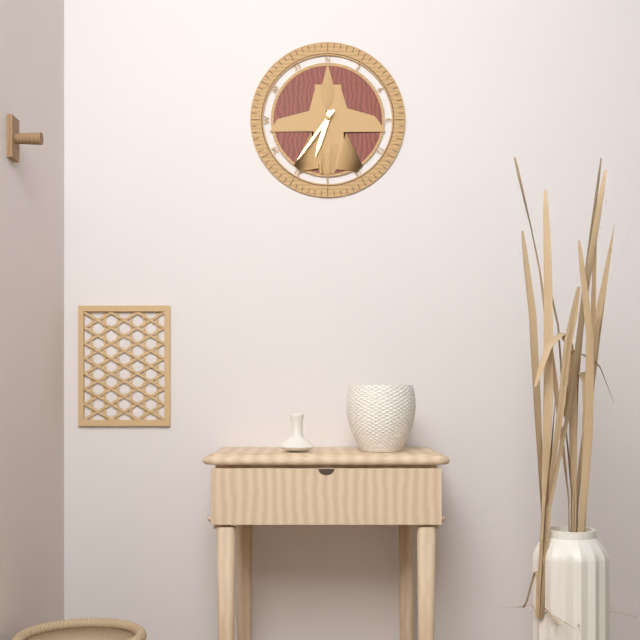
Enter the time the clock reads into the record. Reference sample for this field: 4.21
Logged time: 6.36
